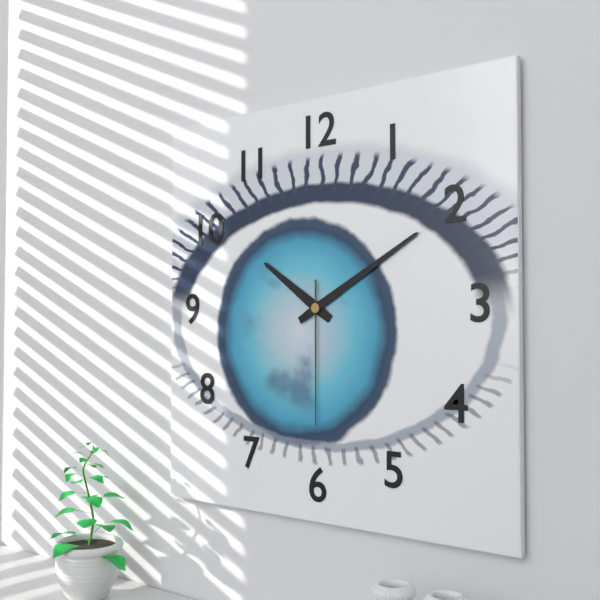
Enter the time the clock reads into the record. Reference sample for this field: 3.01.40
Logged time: 10.10.30
